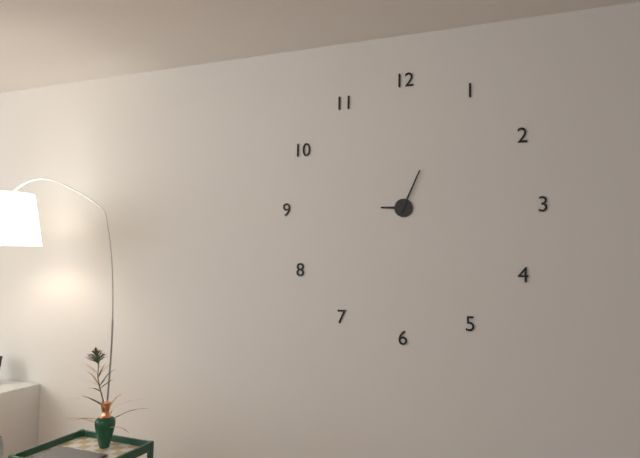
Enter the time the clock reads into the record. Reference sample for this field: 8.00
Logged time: 9.04
